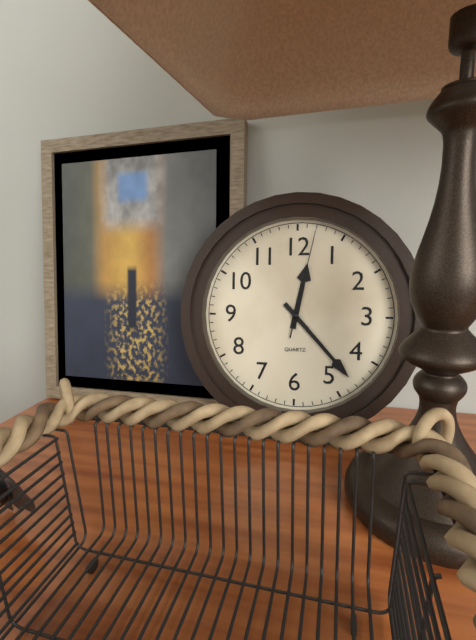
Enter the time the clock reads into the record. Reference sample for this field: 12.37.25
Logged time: 12.23.02
